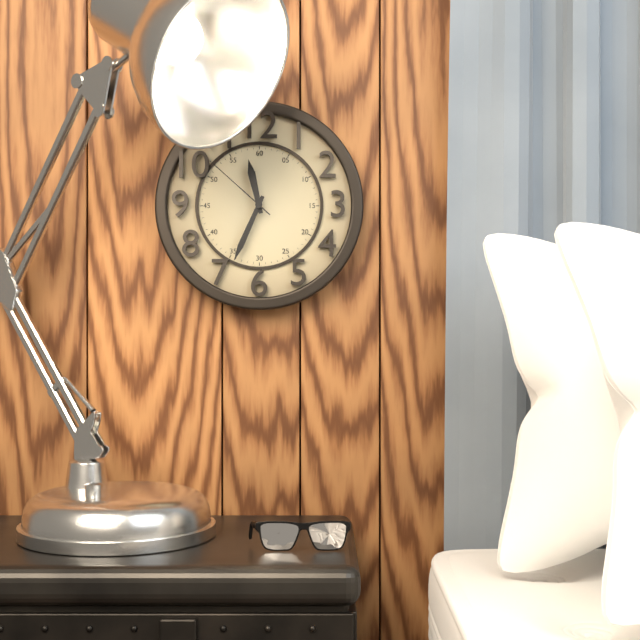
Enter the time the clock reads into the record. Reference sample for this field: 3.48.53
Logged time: 11.34.52
